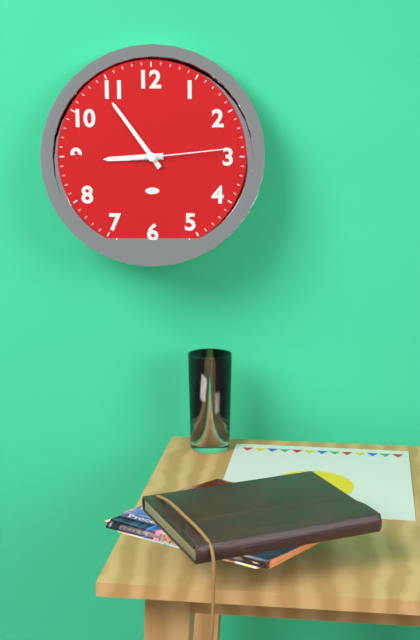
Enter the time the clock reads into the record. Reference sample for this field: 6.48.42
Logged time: 8.54.14
